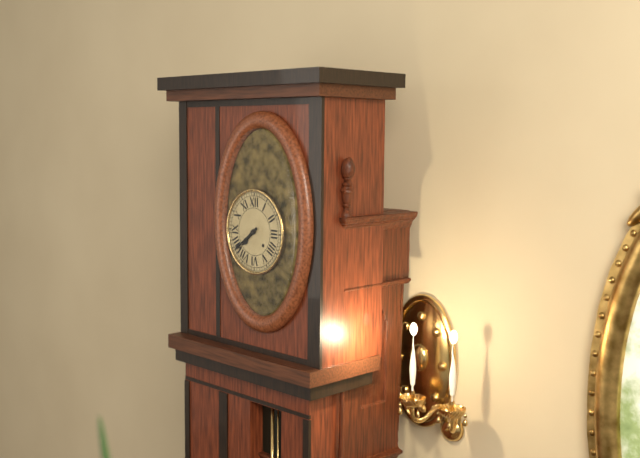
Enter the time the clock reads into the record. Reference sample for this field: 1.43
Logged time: 7.39
